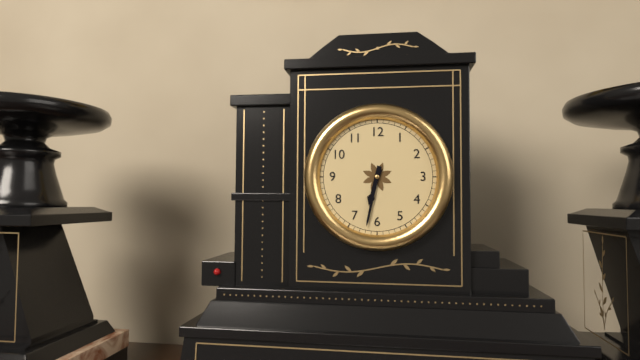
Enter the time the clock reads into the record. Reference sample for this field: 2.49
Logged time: 6.32
